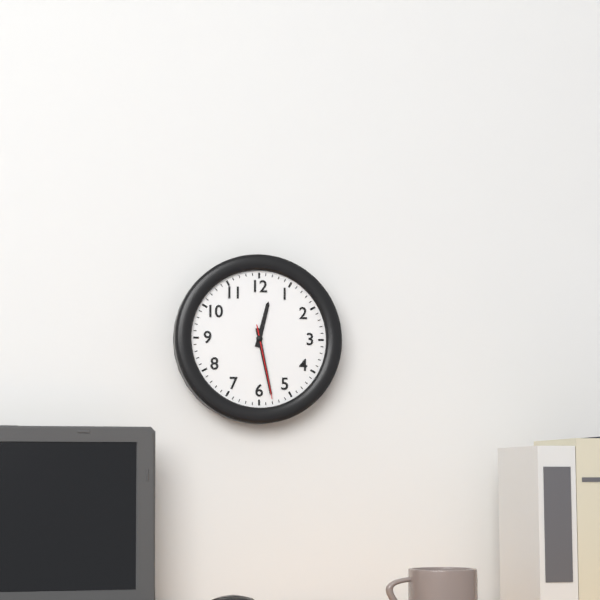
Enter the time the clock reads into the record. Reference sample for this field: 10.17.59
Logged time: 12.28.28
